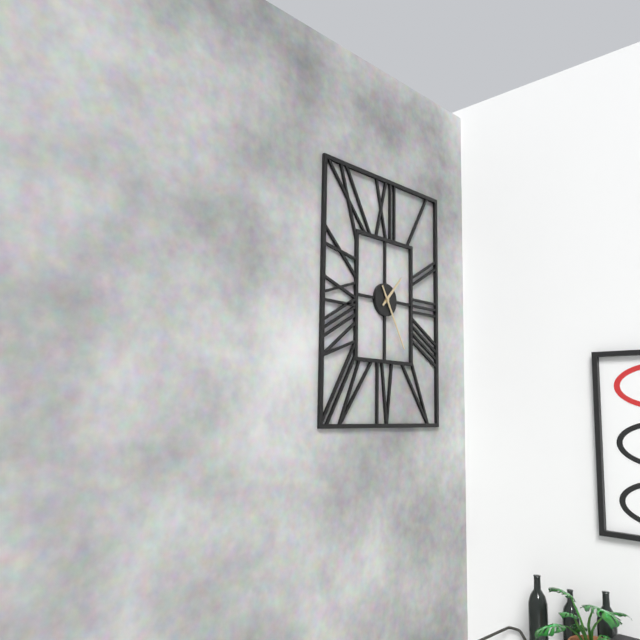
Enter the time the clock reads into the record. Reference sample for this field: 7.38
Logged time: 1.25
